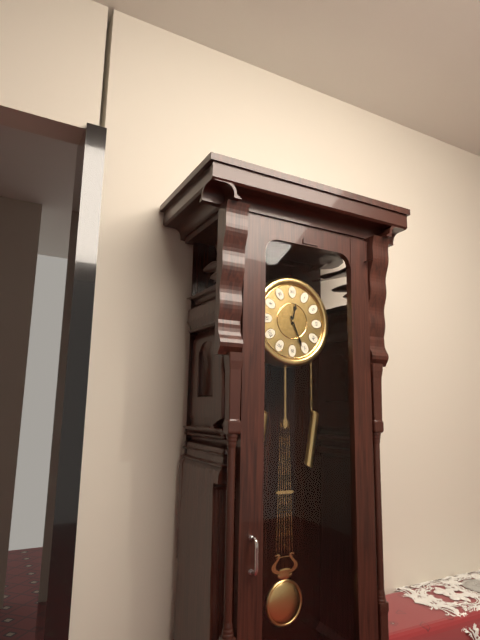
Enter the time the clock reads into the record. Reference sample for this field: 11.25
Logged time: 12.26
